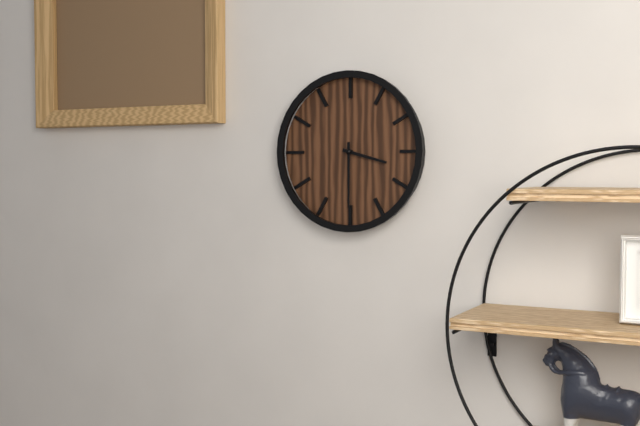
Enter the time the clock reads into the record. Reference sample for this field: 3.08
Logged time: 3.30
